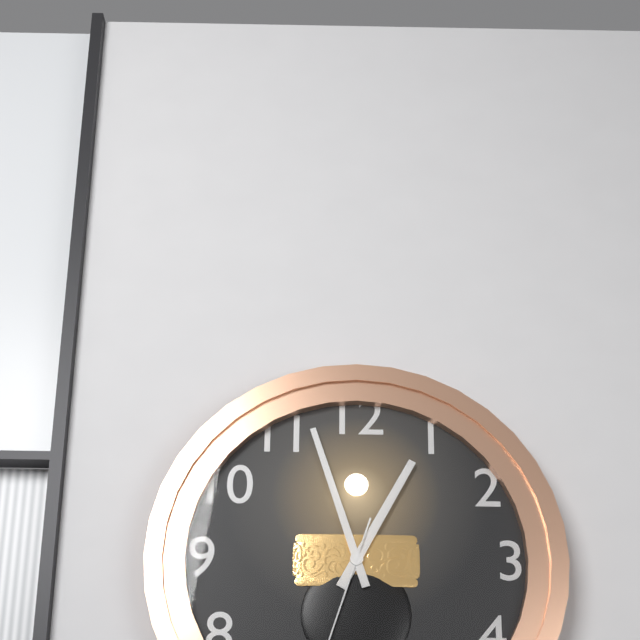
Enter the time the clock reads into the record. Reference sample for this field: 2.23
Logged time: 12.57
